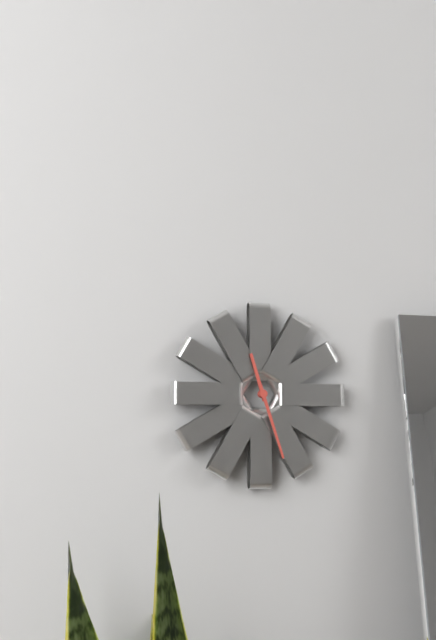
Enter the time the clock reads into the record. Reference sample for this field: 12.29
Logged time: 11.27
